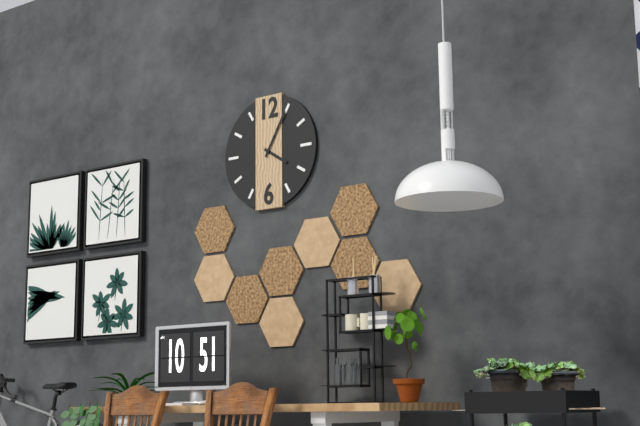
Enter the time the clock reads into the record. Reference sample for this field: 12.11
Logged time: 4.05
